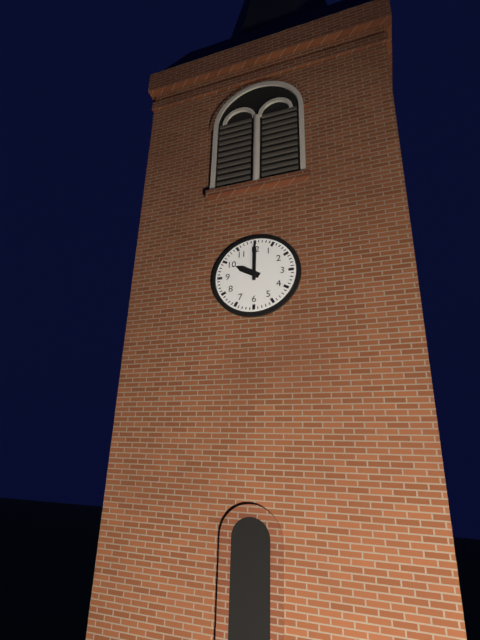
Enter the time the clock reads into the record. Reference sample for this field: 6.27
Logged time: 10.00
